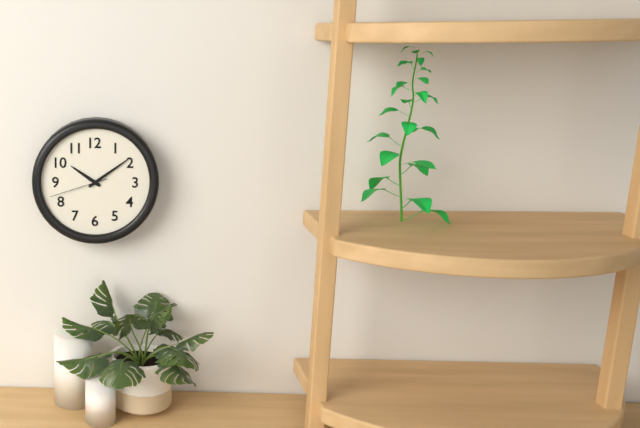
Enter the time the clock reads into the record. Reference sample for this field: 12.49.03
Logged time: 10.09.42
